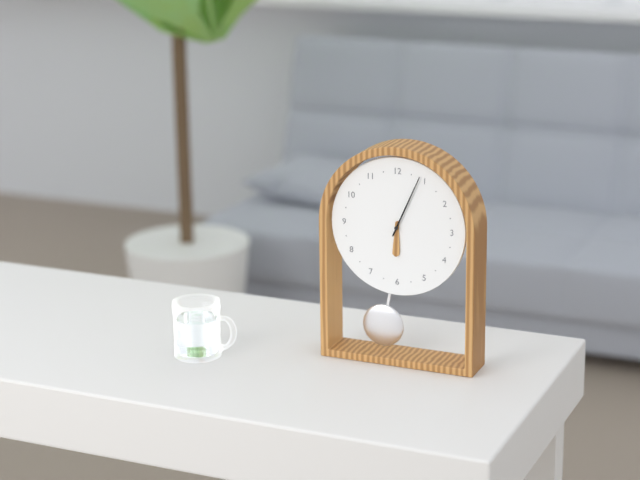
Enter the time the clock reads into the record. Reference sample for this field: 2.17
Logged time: 6.04
